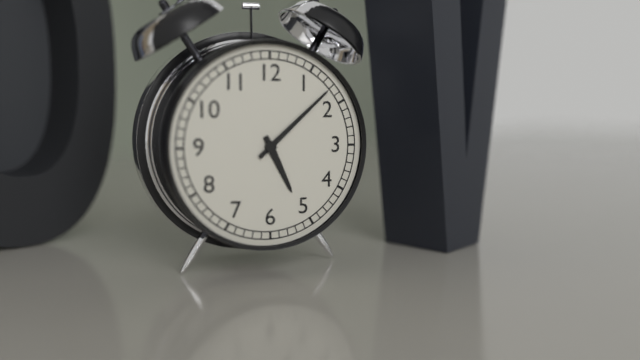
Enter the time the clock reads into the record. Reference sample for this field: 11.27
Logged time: 5.08
